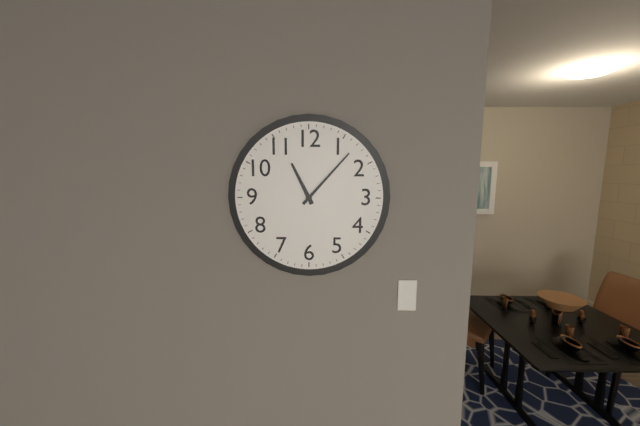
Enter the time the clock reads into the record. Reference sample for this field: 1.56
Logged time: 11.07
